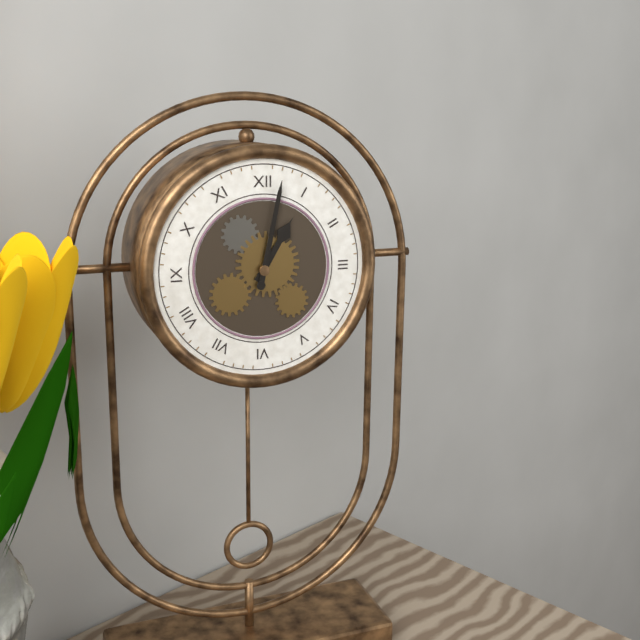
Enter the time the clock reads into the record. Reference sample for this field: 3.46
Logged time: 1.02
